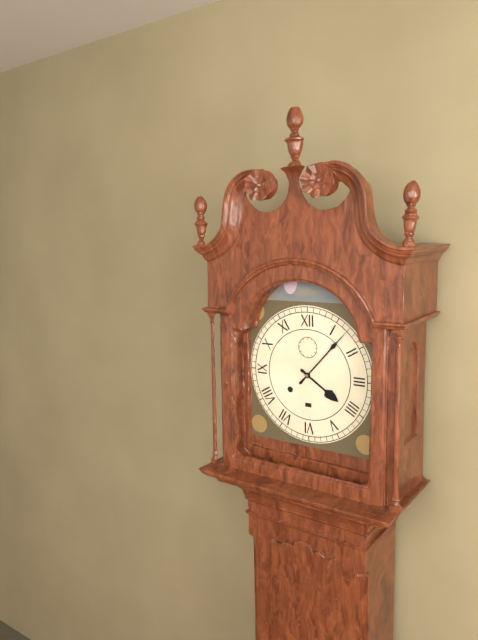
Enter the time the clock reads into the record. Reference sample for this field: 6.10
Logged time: 4.07
